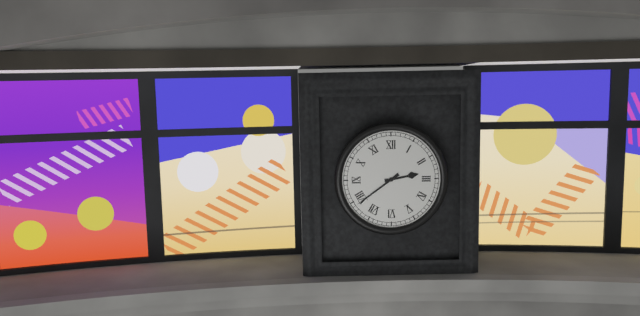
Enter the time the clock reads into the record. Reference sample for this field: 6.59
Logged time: 2.39
